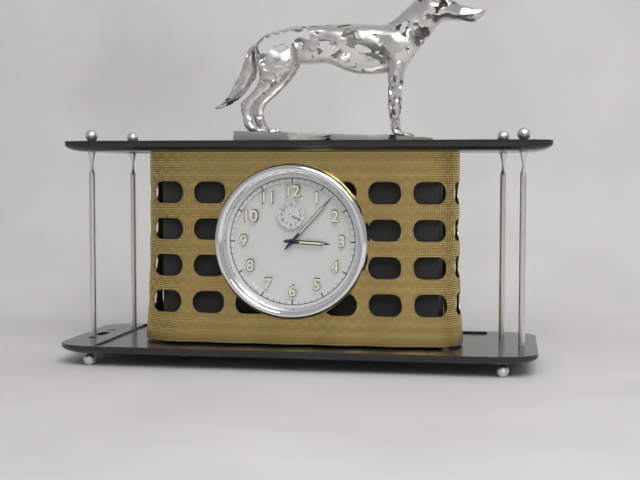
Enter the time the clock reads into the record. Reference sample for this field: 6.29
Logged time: 3.07
